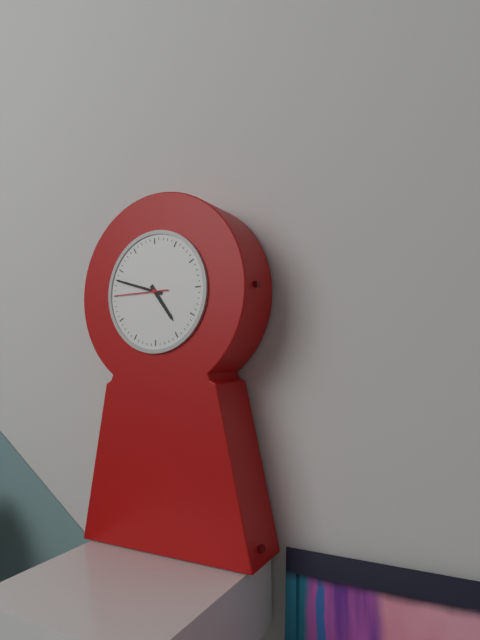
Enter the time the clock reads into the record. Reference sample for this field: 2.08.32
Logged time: 4.48.45
